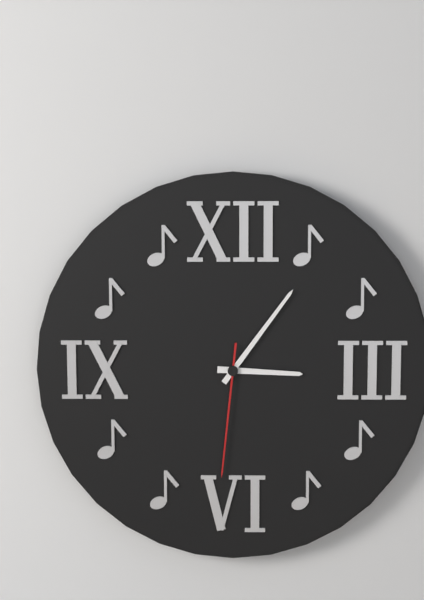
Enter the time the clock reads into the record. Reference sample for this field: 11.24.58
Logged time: 3.06.31
